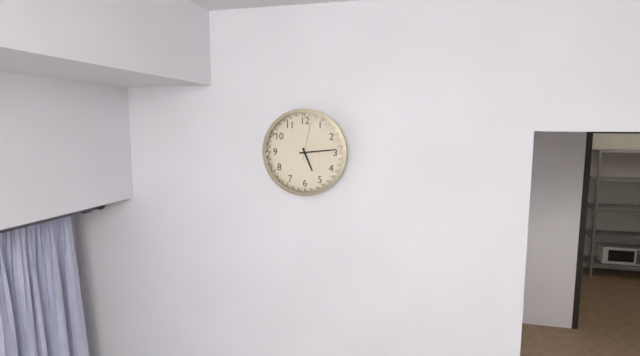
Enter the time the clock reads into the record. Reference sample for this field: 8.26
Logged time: 5.14
